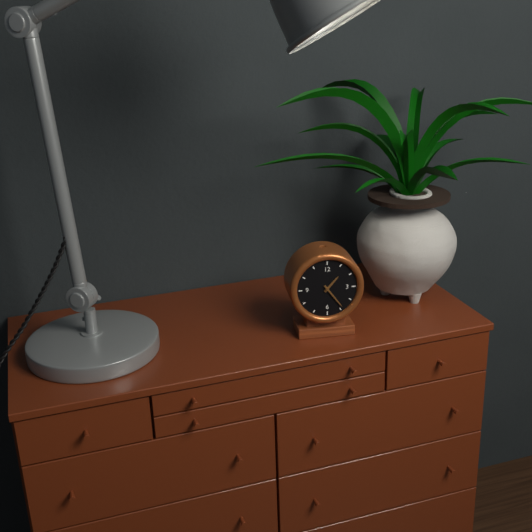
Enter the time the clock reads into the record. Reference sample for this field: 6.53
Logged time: 1.24
